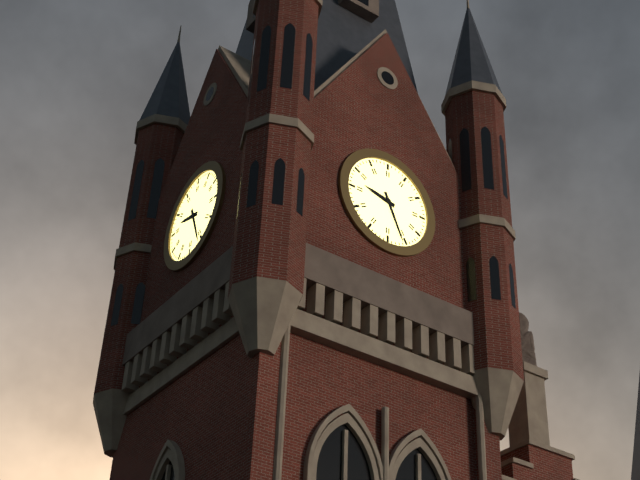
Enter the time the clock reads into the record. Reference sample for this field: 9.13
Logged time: 9.26
